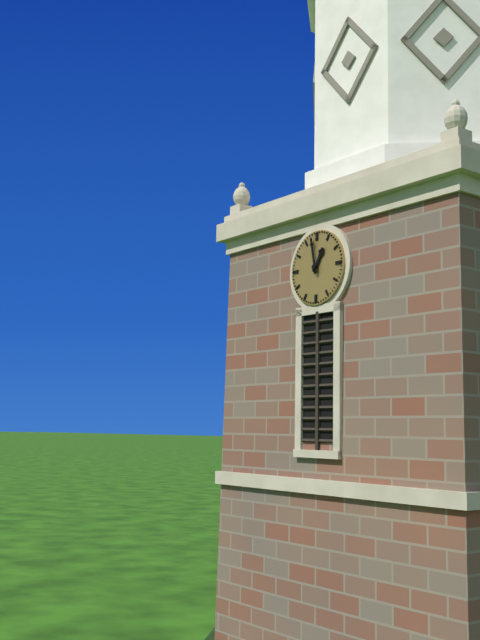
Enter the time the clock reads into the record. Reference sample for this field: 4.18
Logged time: 12.58
